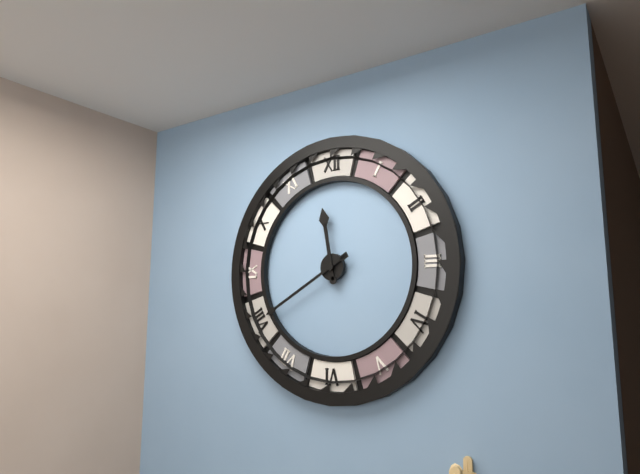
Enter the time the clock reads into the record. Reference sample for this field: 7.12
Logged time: 11.40
